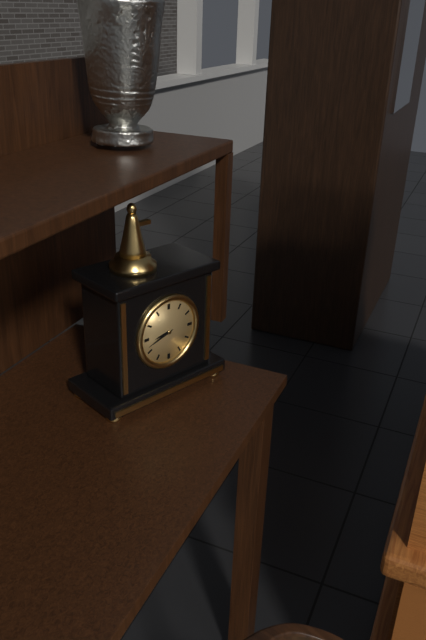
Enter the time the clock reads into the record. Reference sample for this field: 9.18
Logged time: 8.42
